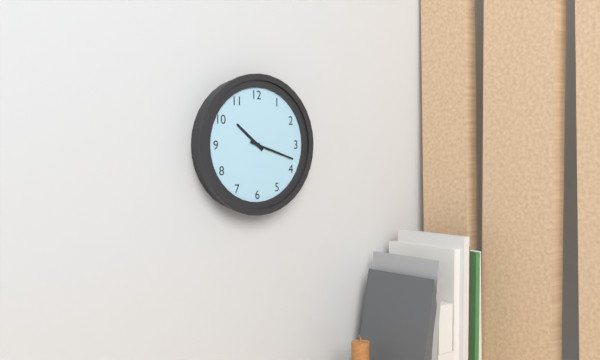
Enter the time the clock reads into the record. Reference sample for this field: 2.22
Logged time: 10.18
